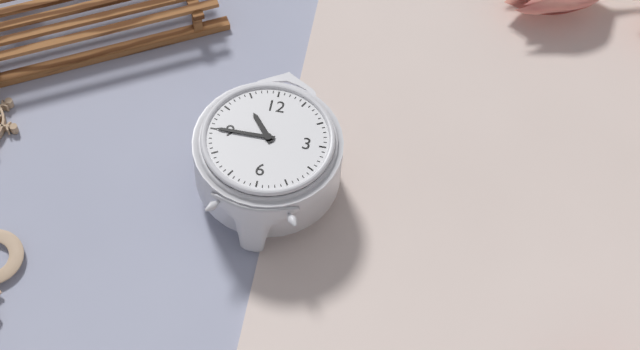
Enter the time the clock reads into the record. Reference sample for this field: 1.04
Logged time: 10.45
